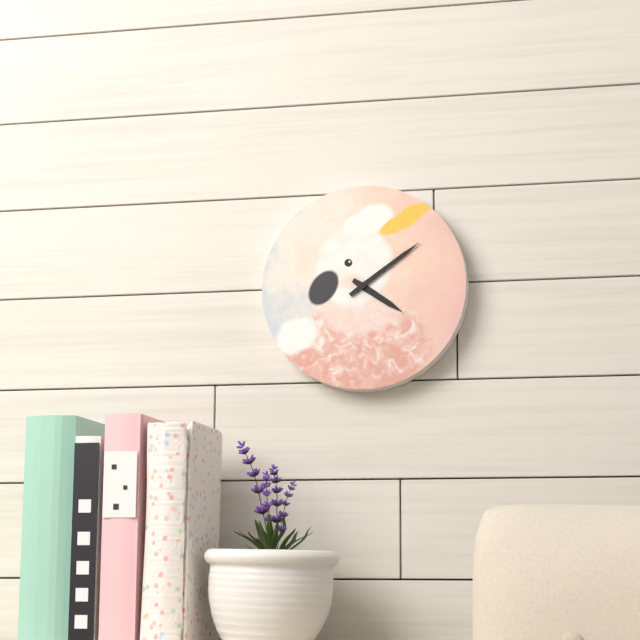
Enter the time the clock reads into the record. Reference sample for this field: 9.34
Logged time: 4.09
